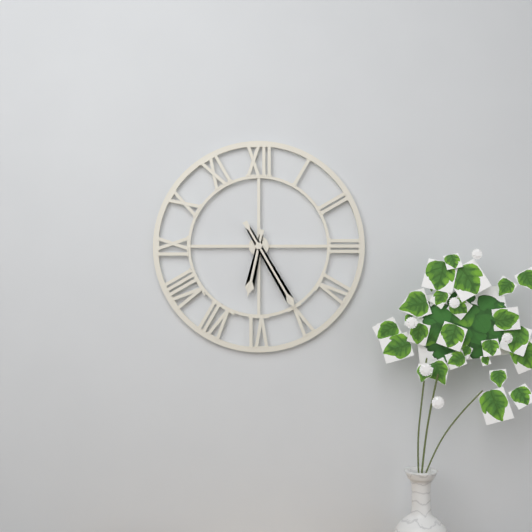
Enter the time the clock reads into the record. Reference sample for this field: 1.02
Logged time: 6.25
